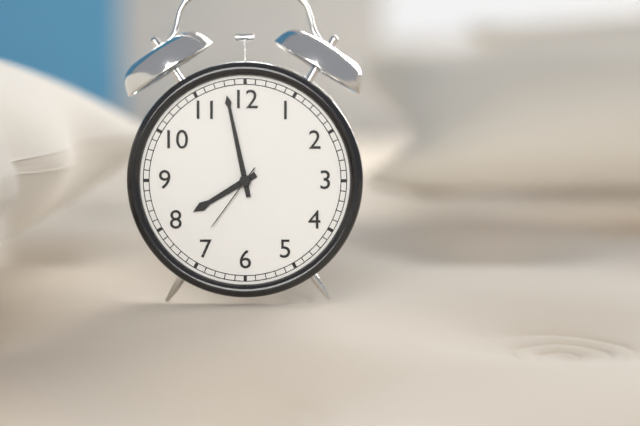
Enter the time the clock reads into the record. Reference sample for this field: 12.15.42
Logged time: 7.58.36
